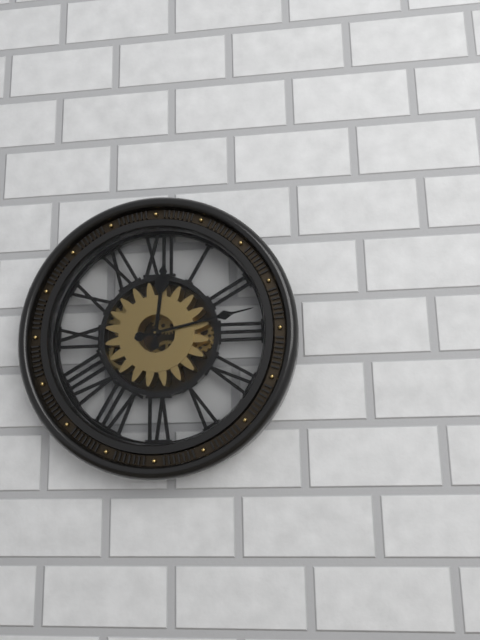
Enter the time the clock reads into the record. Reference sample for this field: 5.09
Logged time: 12.13
